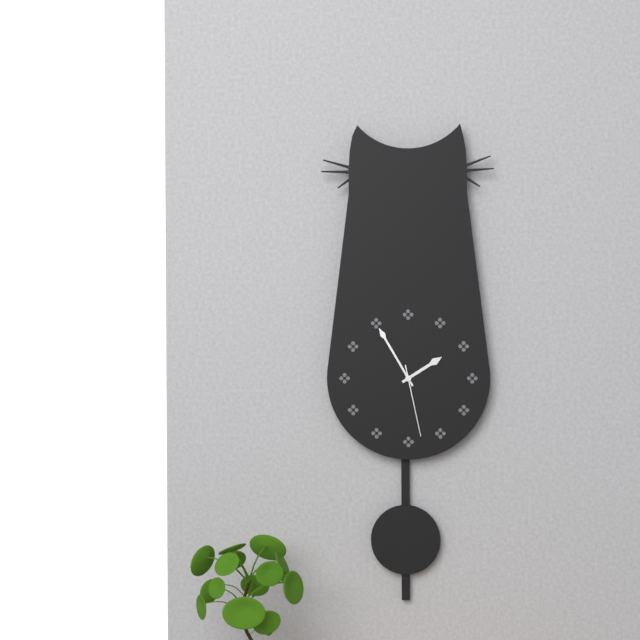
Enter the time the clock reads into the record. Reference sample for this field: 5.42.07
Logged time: 1.55.28
